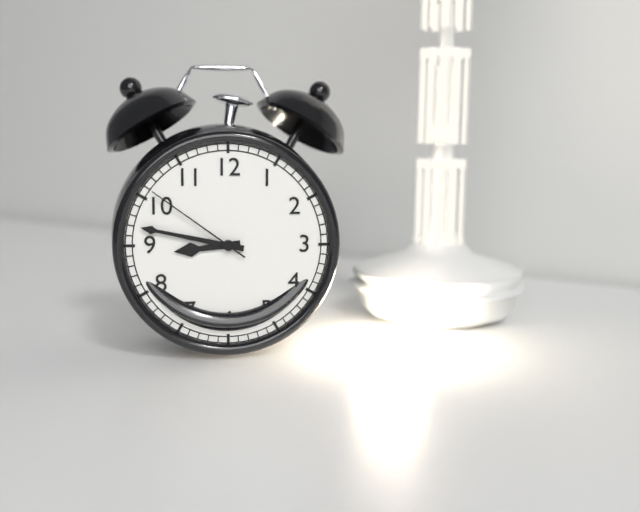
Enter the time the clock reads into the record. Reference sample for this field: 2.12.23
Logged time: 8.47.51
